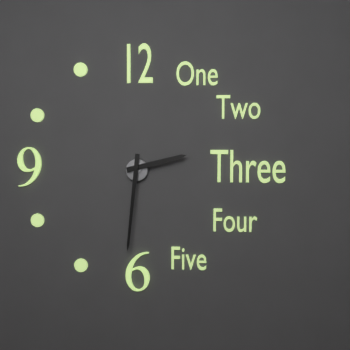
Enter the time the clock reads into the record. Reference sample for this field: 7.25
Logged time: 2.31
